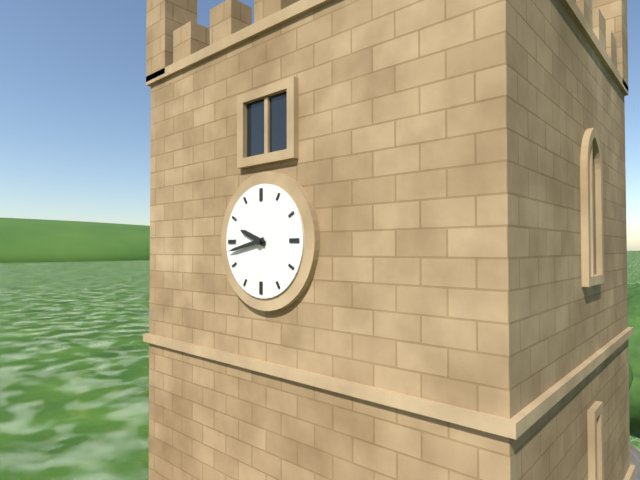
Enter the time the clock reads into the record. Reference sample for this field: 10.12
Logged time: 9.43
